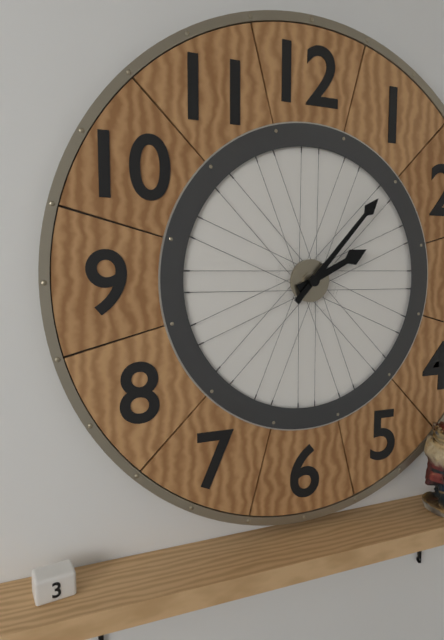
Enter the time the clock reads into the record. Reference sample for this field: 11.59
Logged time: 2.07
